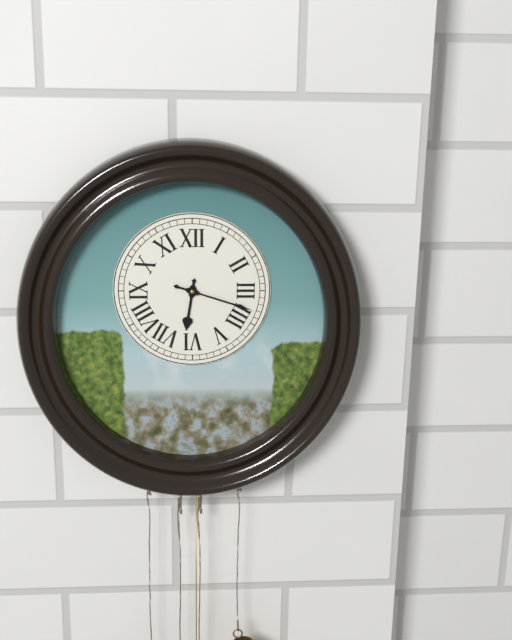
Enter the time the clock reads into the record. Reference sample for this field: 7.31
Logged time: 6.18
